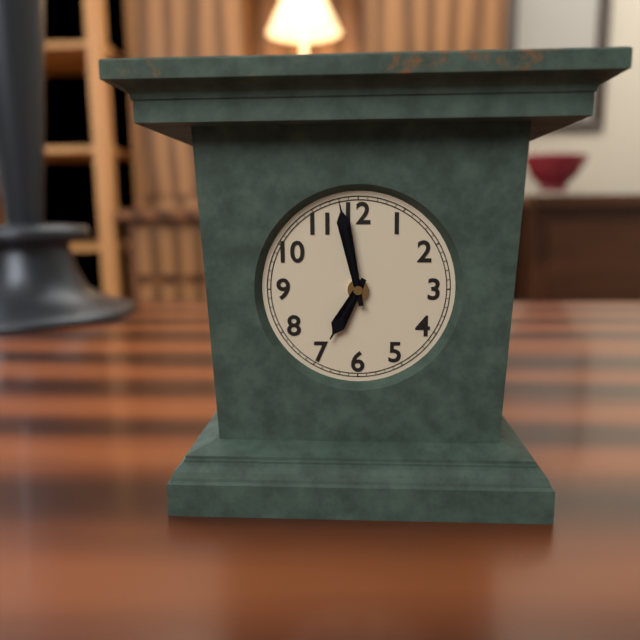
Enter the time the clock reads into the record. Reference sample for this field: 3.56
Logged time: 6.58
